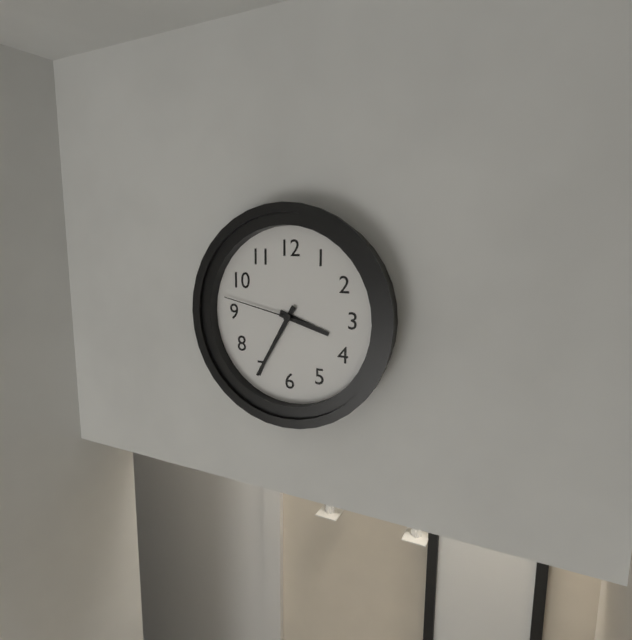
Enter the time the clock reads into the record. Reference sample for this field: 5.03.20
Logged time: 3.35.47
